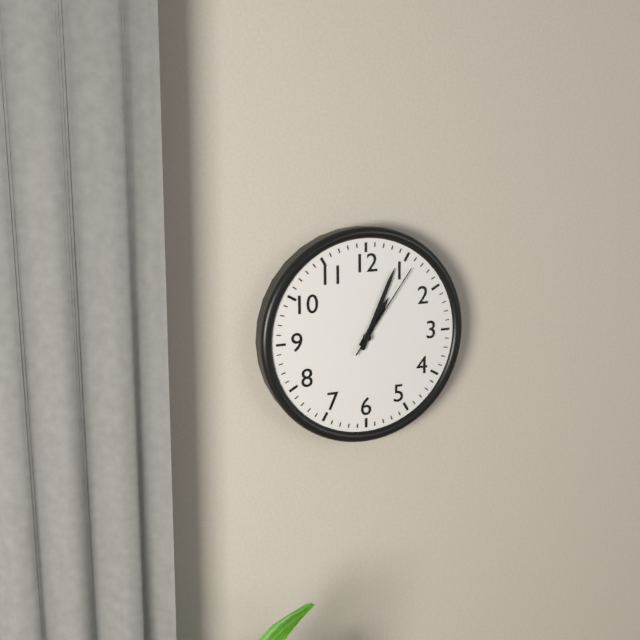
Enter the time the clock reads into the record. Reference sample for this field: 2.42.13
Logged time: 1.04.06
